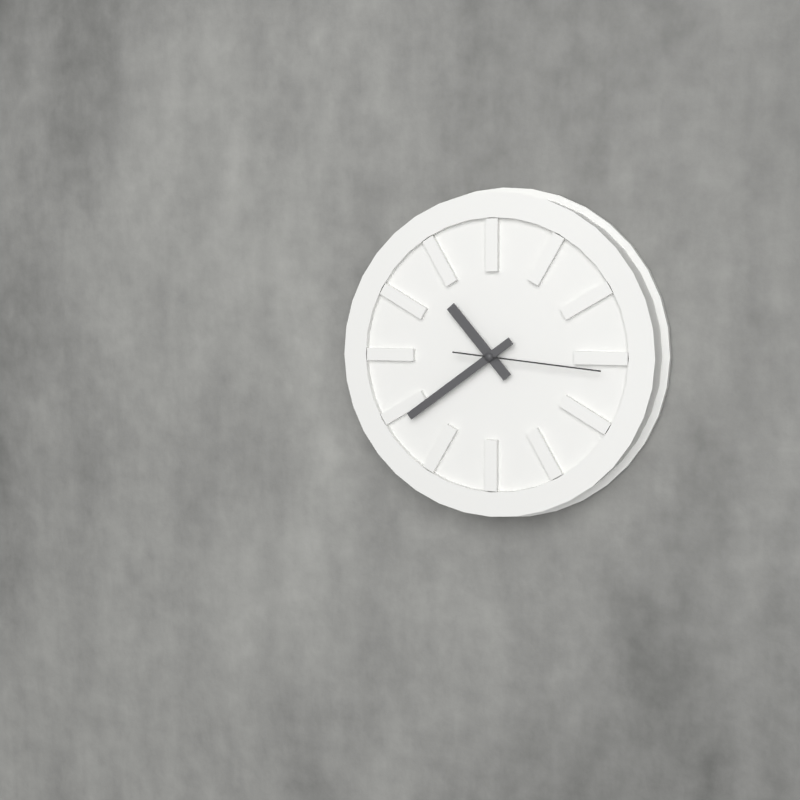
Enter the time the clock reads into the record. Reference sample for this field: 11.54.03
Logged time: 10.39.16
